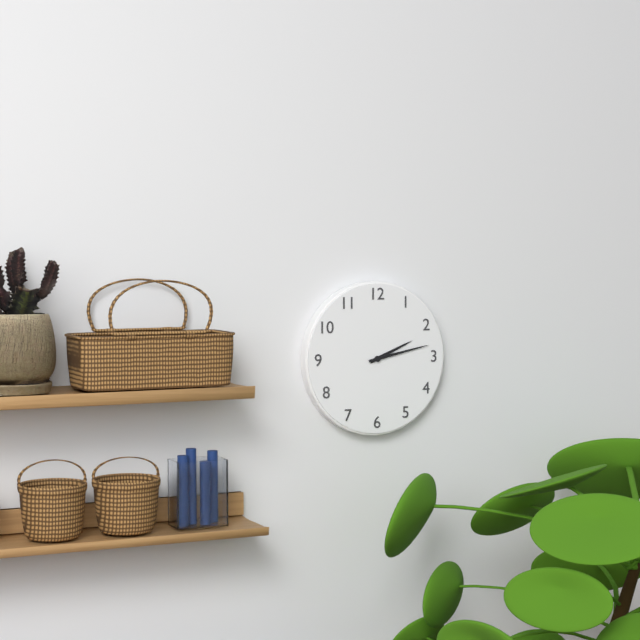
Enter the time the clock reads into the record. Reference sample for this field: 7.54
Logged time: 2.13
